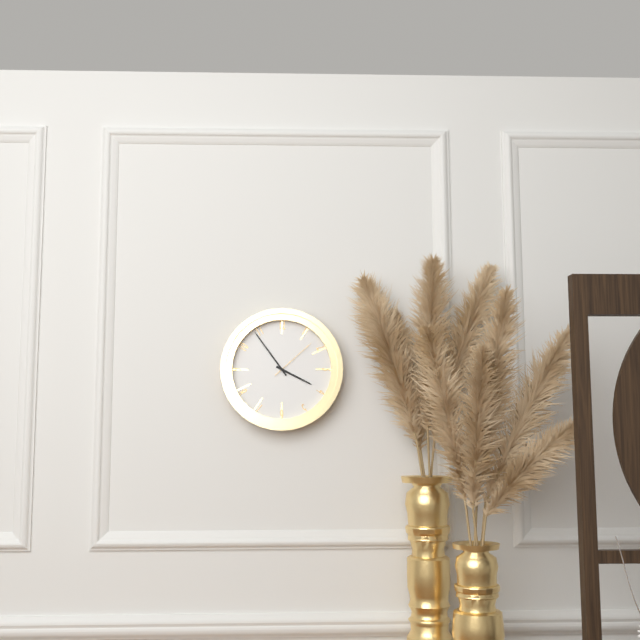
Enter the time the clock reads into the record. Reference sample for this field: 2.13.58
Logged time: 3.54.08
